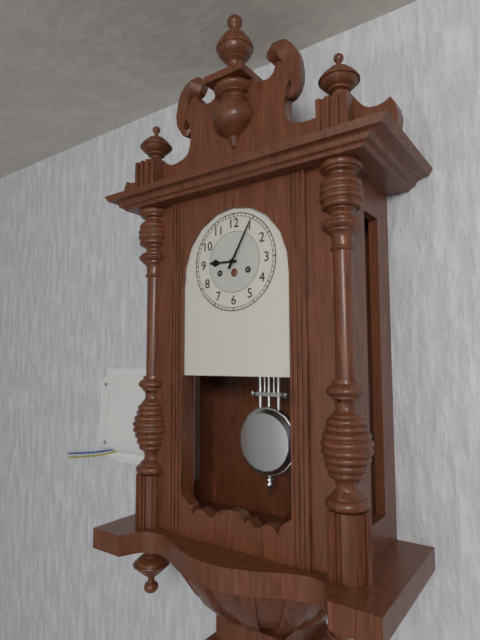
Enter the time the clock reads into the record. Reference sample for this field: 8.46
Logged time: 9.05
